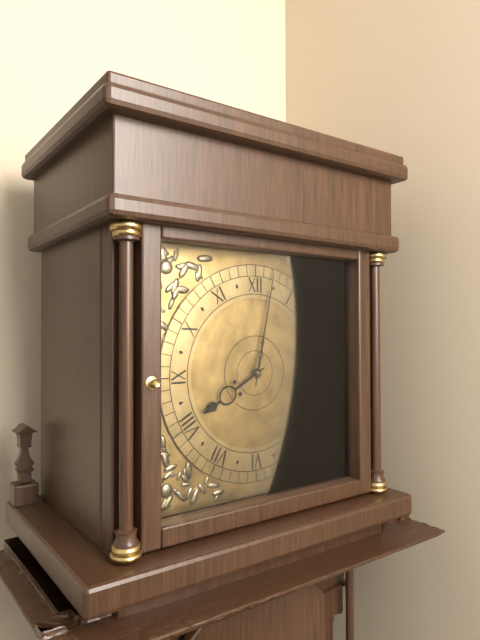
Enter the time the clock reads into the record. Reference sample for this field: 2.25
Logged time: 8.02
